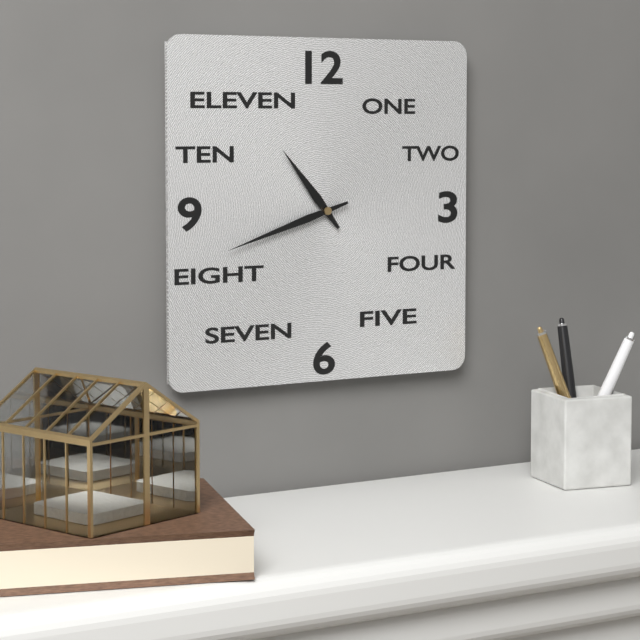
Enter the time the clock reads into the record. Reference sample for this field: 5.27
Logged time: 10.42
